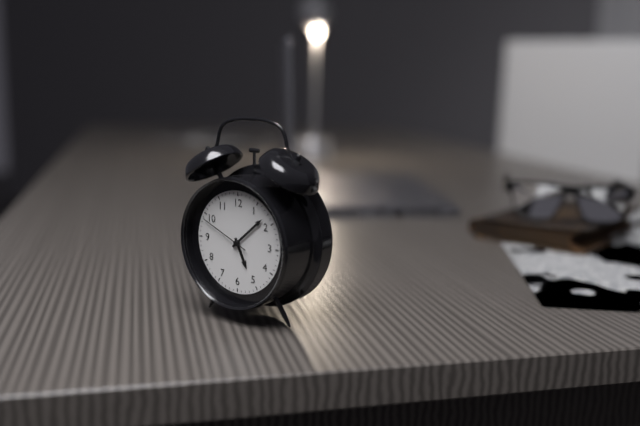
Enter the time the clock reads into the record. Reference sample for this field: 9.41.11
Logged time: 5.08.49
